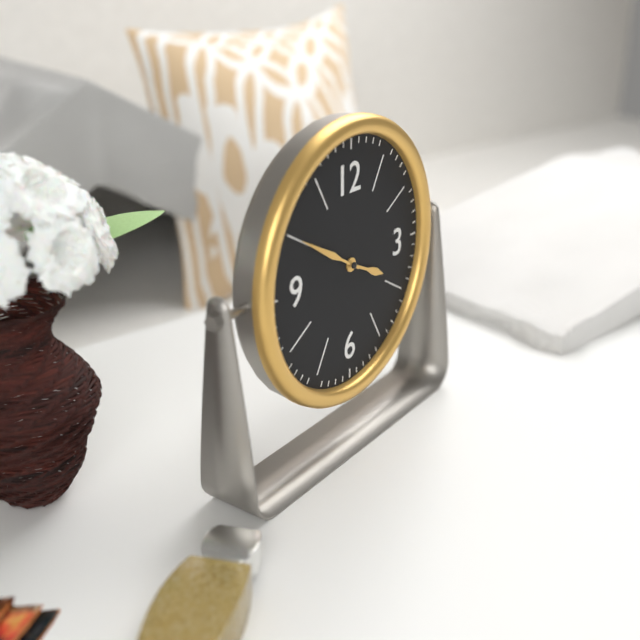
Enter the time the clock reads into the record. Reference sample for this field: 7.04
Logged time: 3.50
